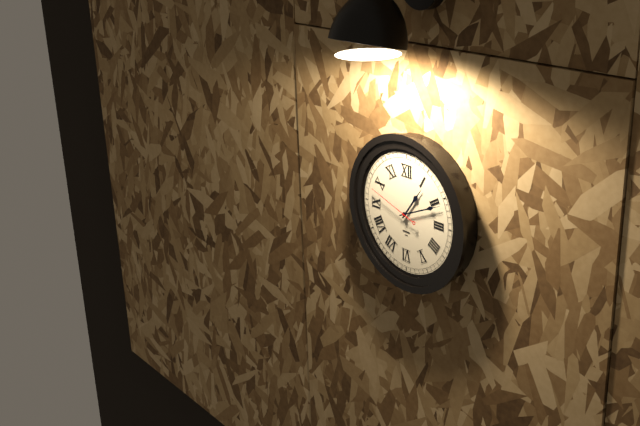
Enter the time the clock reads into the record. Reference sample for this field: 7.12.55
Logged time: 1.11.48
